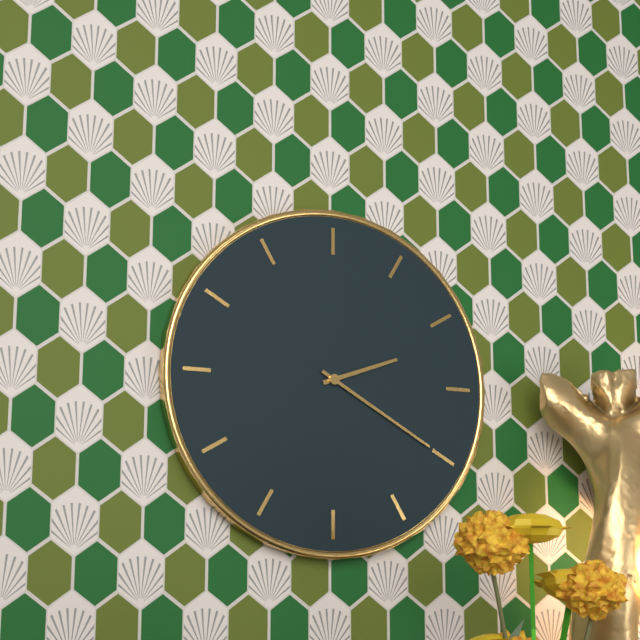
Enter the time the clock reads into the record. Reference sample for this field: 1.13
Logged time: 2.20
